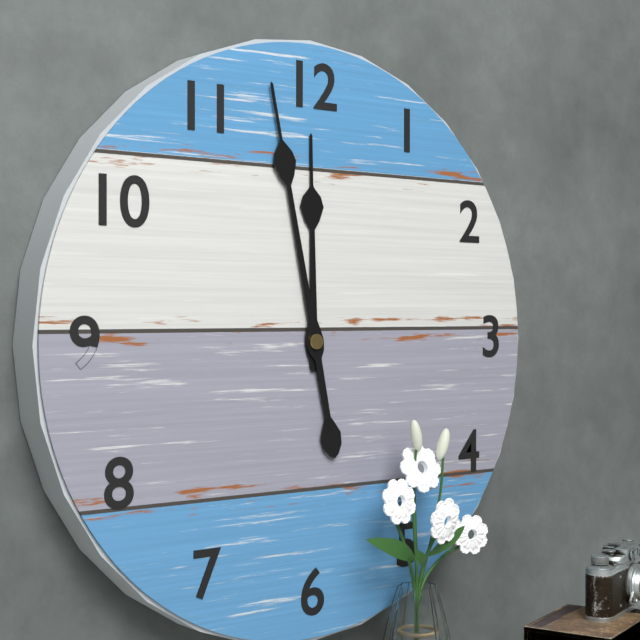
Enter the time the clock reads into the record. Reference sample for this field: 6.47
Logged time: 11.58
